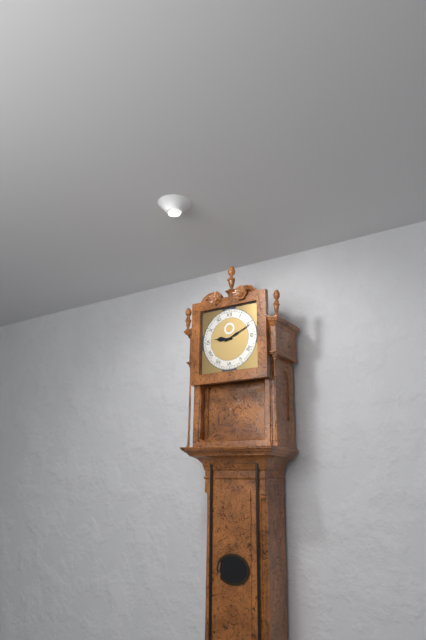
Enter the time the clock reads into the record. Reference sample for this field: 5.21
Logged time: 9.11
